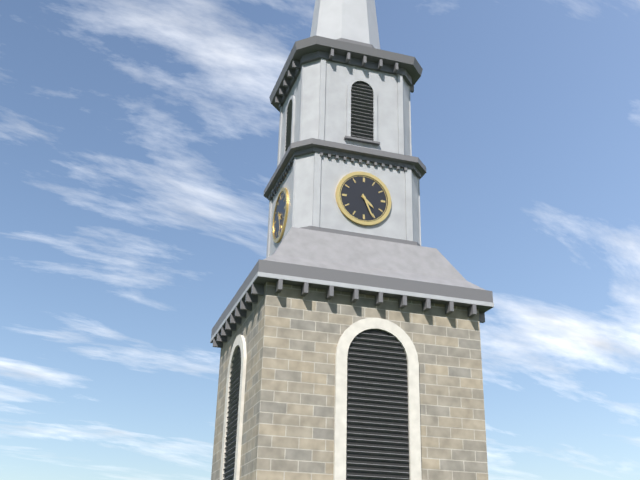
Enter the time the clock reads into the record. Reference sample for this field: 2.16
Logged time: 4.26
